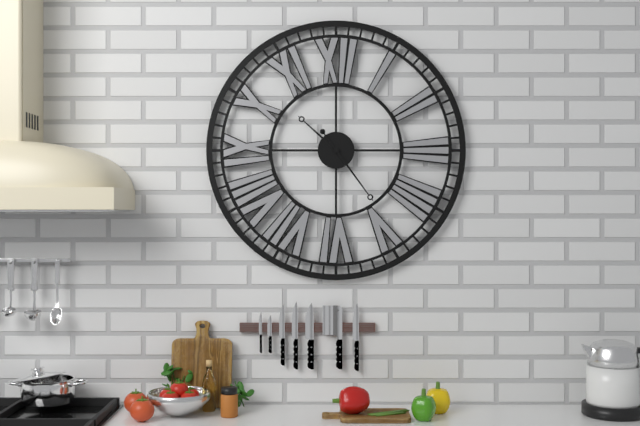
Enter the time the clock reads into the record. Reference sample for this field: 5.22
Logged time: 10.24
